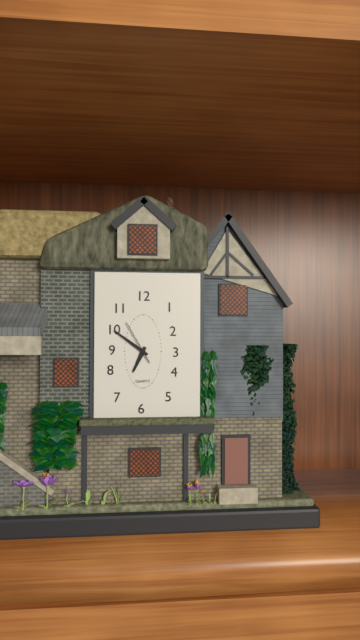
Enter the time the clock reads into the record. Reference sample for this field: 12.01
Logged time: 6.51
